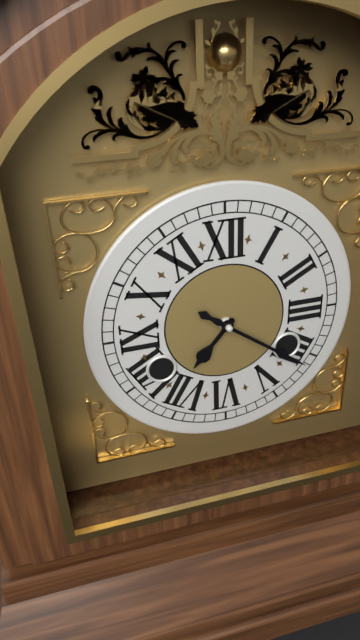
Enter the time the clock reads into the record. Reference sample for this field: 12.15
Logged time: 7.21
